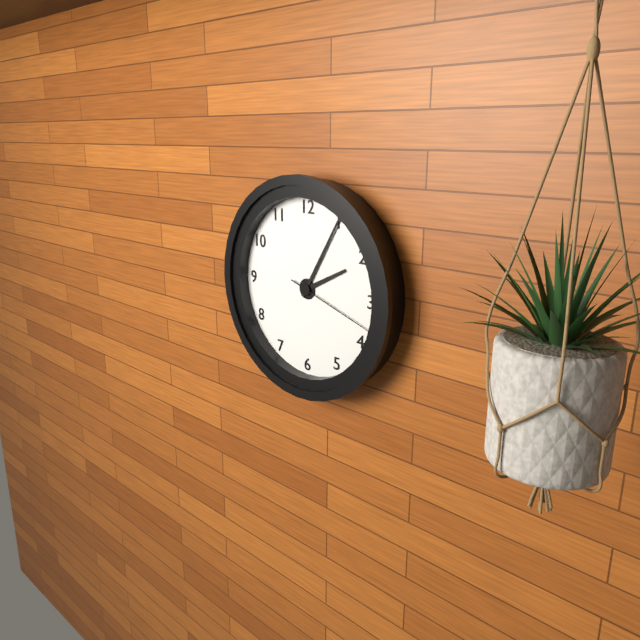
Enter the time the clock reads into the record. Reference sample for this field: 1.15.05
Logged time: 2.05.18
